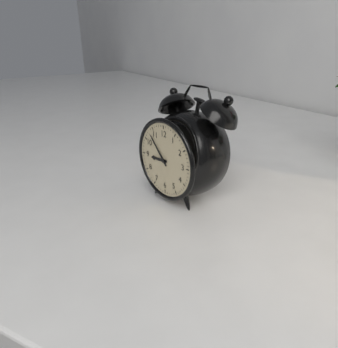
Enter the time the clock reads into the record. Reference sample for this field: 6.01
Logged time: 8.53
